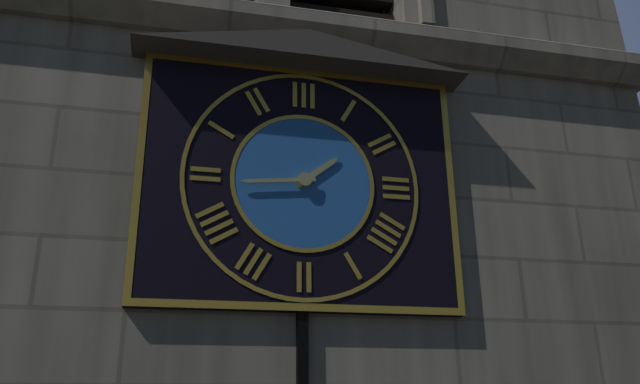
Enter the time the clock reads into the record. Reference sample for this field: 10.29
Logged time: 1.44
